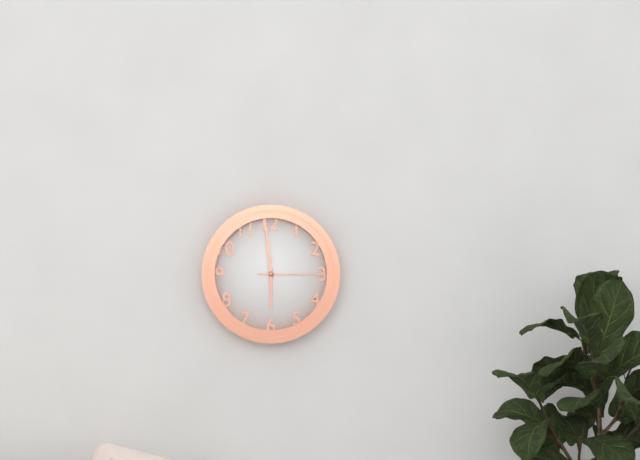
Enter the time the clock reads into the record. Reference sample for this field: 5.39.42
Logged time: 5.59.15
